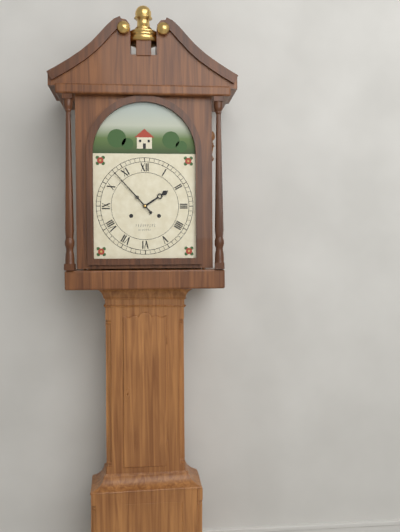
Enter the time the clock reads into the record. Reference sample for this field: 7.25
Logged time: 1.53
